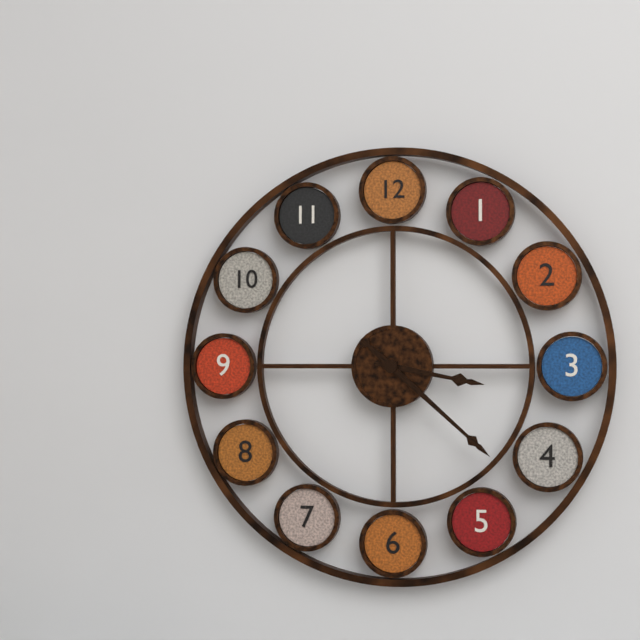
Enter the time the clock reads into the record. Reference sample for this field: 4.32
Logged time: 3.22
